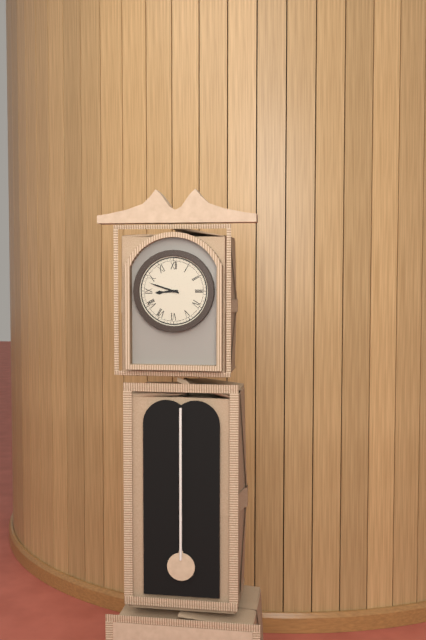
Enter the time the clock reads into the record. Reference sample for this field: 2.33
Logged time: 8.48
